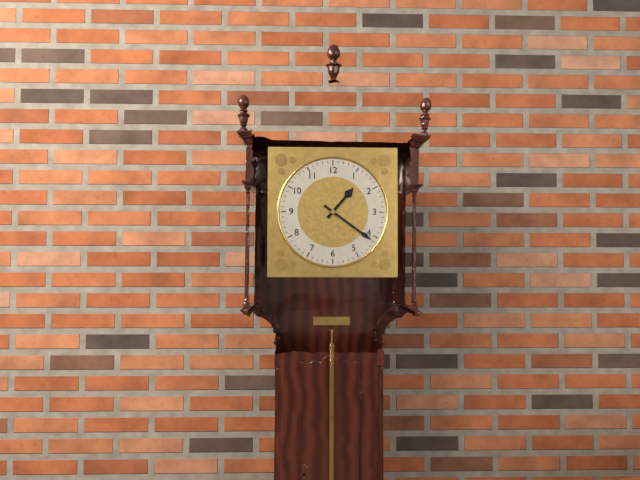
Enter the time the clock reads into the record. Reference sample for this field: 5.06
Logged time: 1.21
